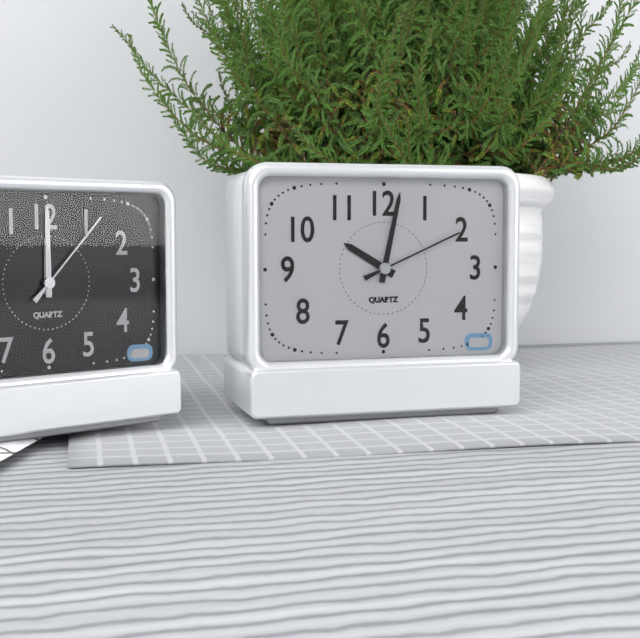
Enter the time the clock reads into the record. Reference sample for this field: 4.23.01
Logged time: 10.02.11
